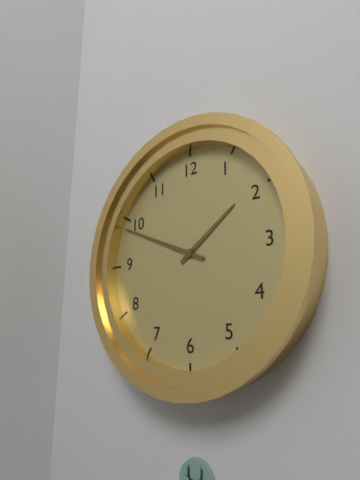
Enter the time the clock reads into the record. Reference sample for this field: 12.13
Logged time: 1.49
